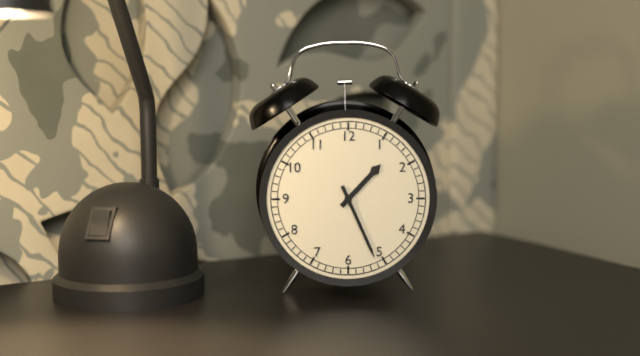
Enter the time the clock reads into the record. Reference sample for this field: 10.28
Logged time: 1.26
